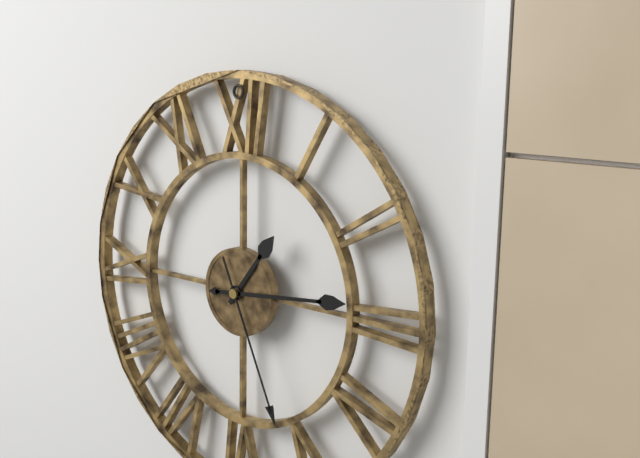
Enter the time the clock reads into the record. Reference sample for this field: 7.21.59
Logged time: 1.14.26
